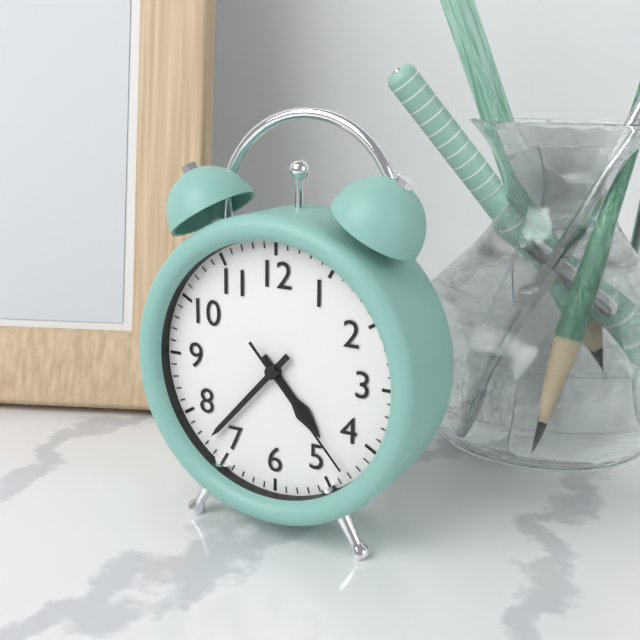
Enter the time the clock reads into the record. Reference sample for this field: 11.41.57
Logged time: 4.37.23
